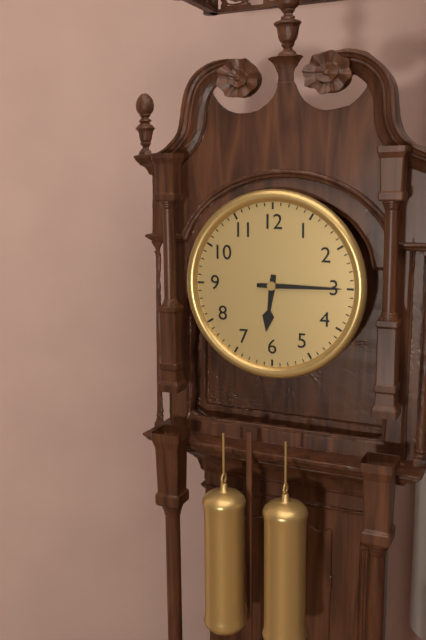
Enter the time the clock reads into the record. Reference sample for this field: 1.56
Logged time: 6.15
